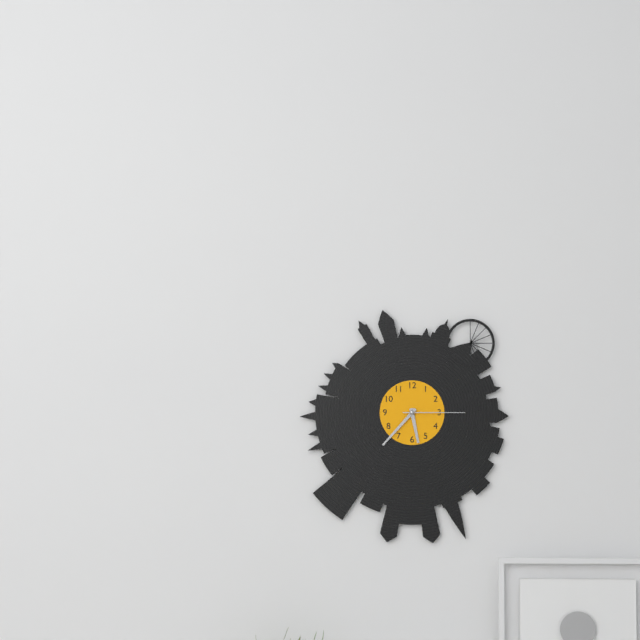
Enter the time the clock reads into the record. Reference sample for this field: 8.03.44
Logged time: 5.37.15
